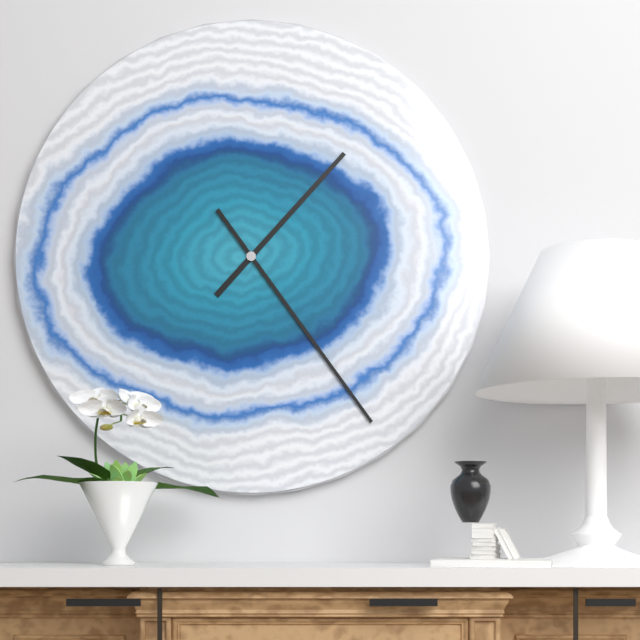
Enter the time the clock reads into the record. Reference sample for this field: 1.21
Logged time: 1.24
